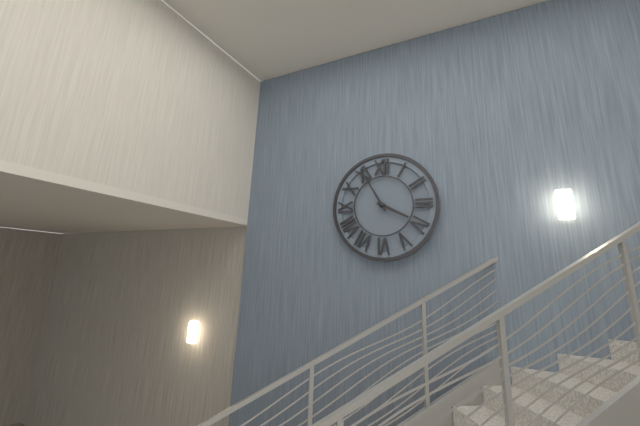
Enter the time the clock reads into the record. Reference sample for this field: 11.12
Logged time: 3.55
